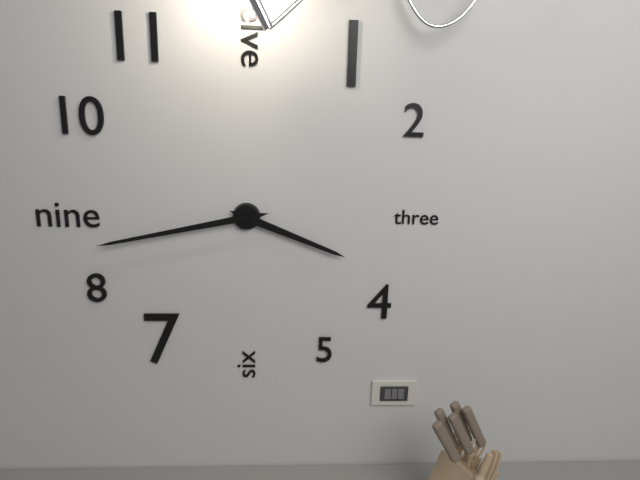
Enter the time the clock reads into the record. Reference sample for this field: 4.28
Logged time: 3.43
